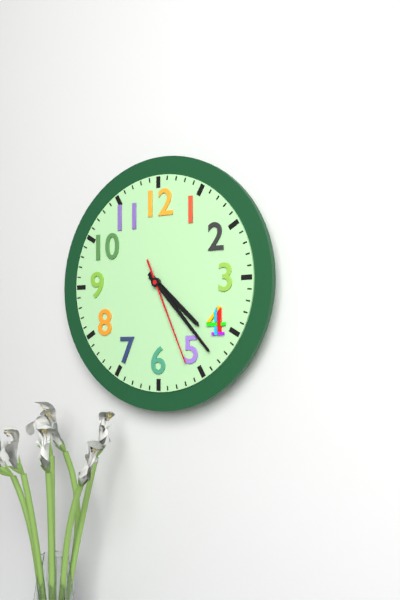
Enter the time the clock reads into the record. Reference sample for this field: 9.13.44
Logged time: 4.23.26
